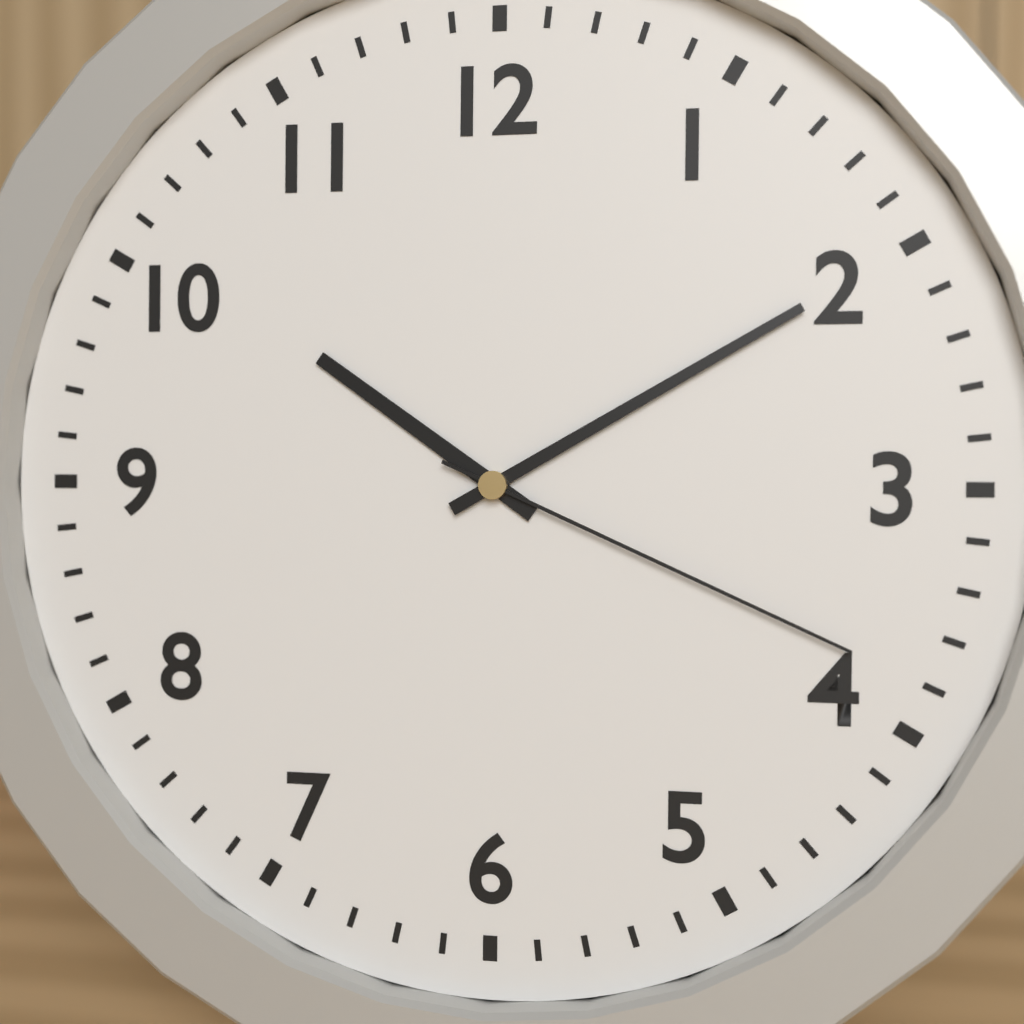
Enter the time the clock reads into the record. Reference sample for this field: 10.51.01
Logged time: 10.10.19
